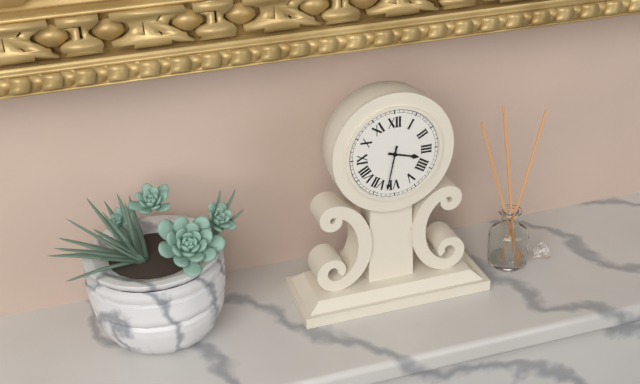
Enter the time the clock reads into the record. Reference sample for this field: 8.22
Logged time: 3.32
